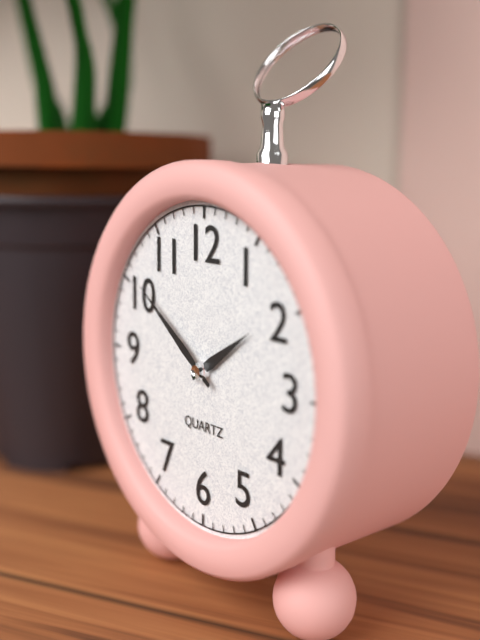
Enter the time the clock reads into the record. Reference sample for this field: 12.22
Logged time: 1.51
